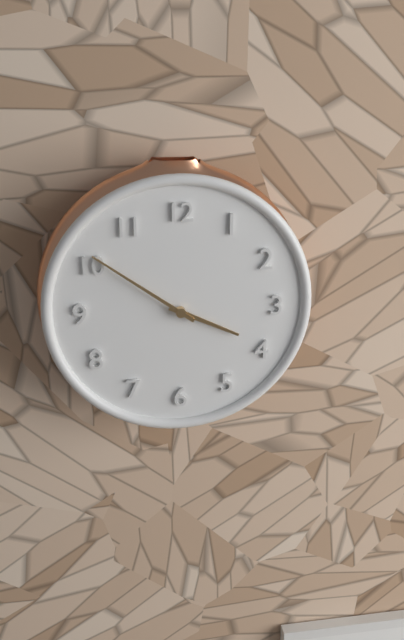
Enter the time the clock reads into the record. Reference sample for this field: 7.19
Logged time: 3.51
